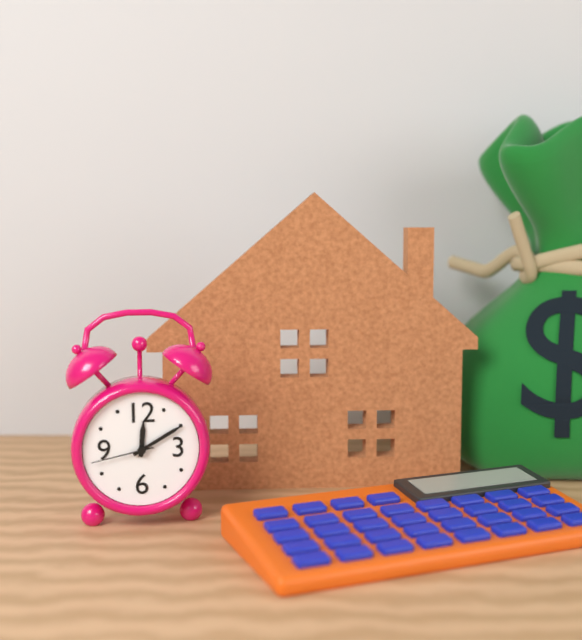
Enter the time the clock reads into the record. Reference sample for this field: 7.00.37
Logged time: 12.10.43
